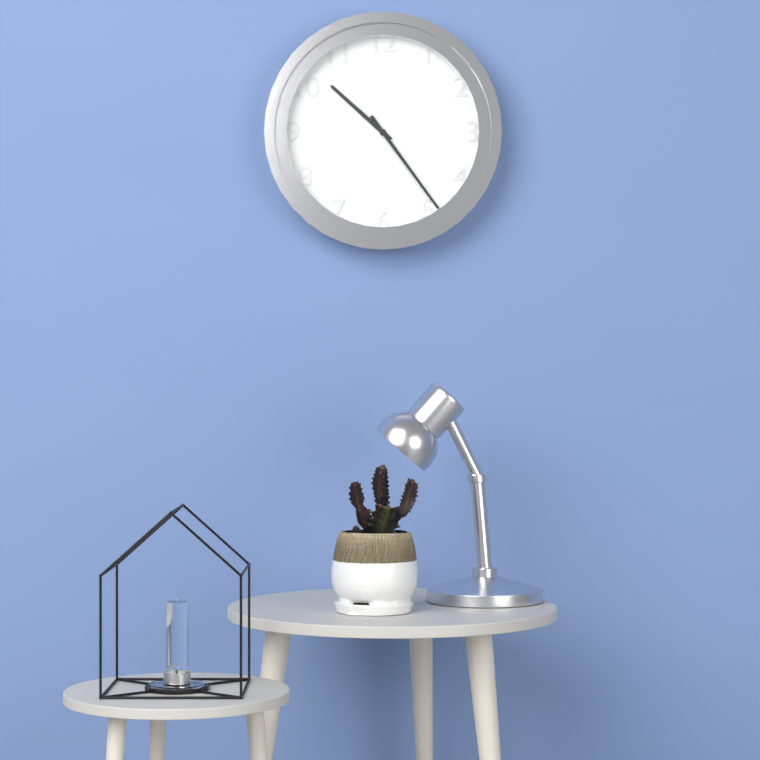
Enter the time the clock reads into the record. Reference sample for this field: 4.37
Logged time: 10.24
